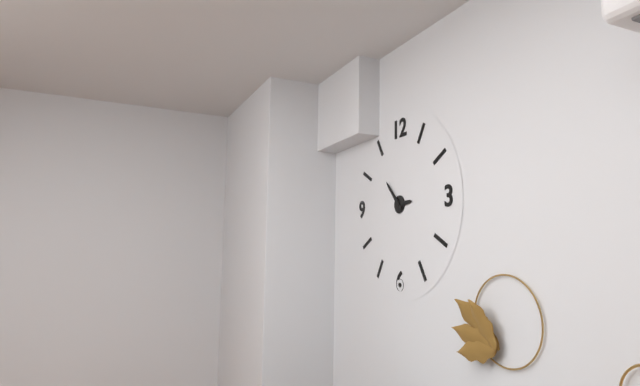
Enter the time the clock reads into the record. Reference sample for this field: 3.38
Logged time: 2.53
